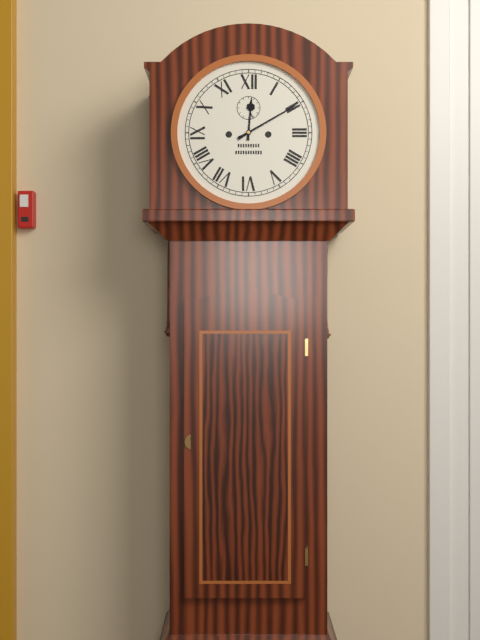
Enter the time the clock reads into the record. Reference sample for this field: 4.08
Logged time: 12.10
